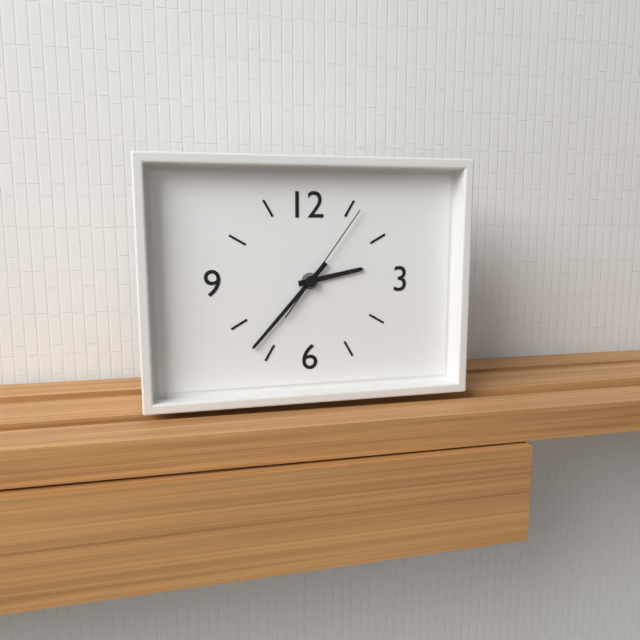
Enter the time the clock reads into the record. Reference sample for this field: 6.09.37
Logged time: 2.37.06
